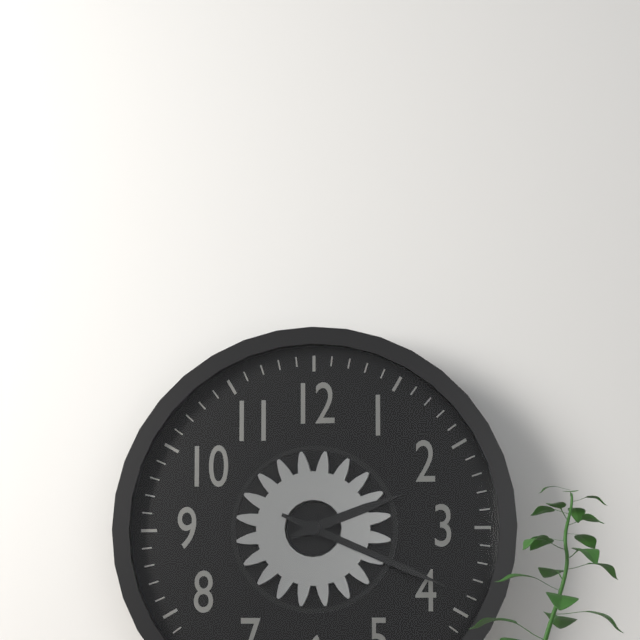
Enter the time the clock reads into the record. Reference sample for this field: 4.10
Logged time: 2.19
